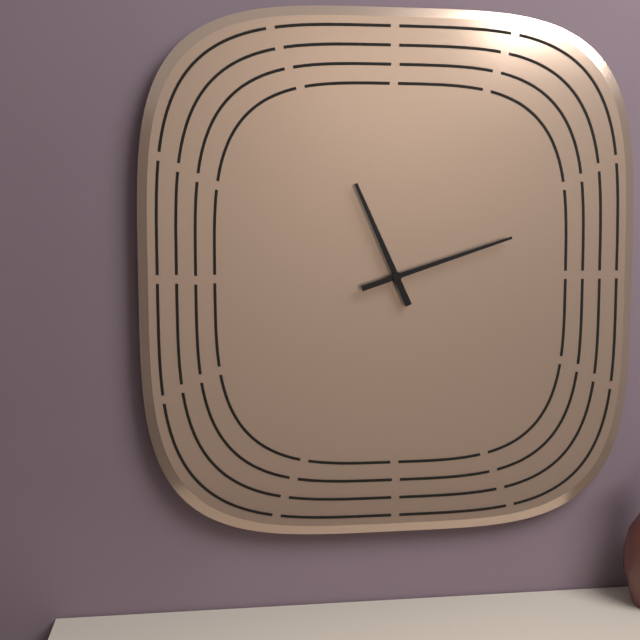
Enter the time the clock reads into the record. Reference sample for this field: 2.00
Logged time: 11.12
